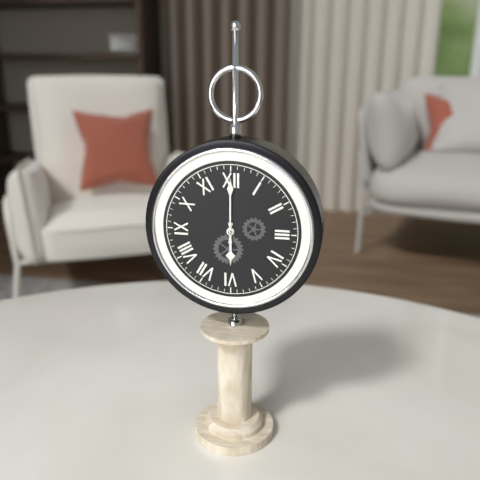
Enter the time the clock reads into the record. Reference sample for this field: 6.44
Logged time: 6.00
